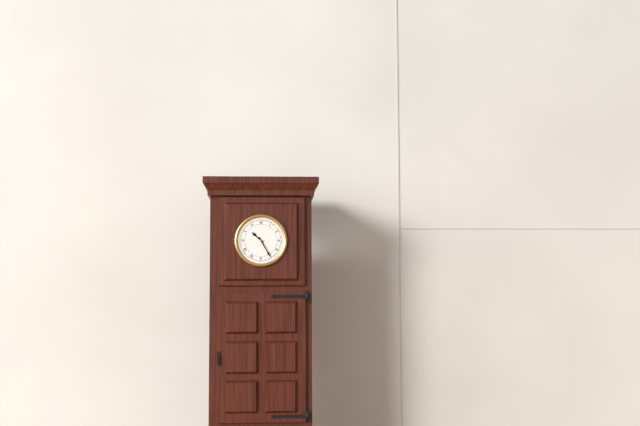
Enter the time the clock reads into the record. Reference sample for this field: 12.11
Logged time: 10.25
